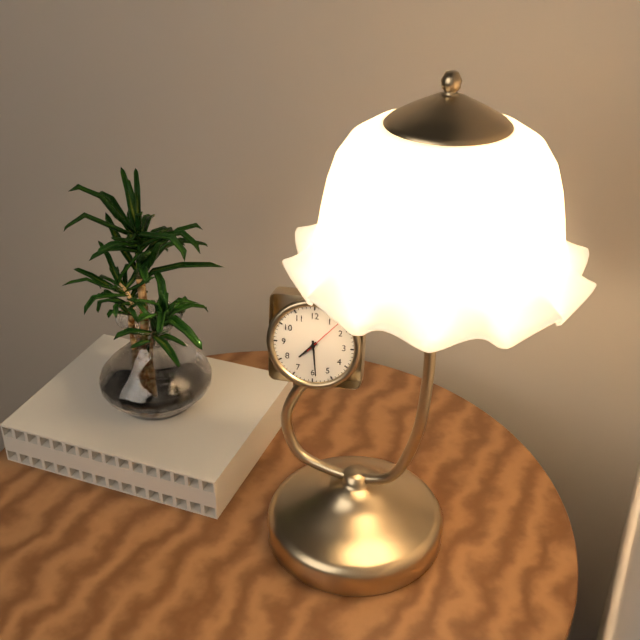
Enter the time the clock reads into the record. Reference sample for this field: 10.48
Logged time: 7.29
